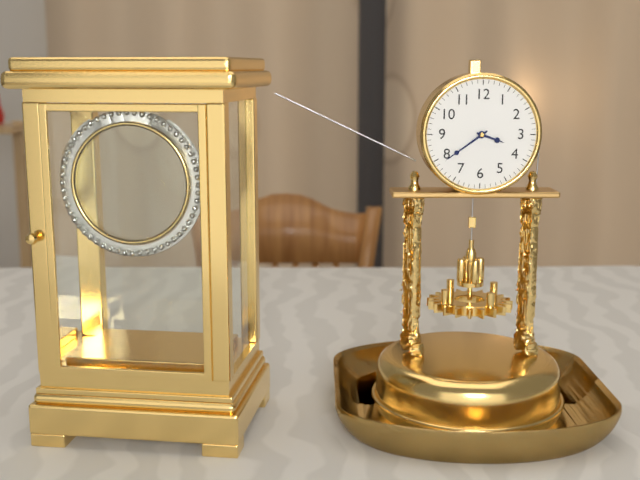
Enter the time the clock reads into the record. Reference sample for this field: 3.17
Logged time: 3.39
